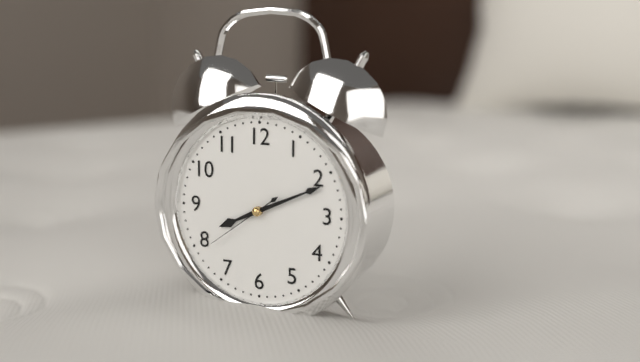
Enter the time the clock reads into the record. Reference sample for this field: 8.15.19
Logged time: 8.11.39
